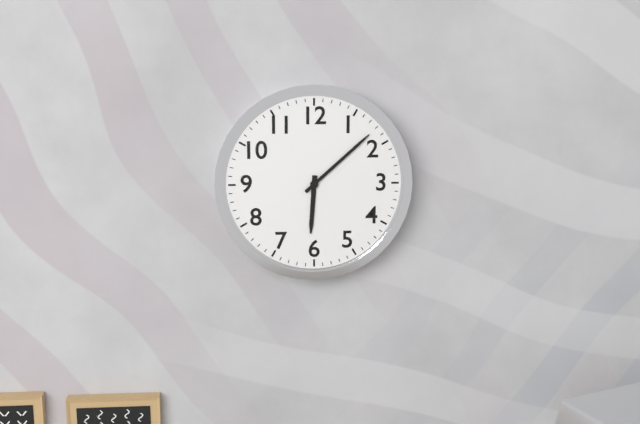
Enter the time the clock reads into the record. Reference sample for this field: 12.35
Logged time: 6.08
